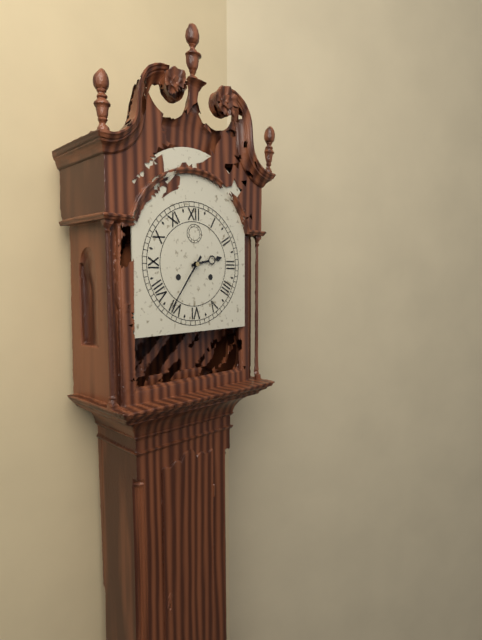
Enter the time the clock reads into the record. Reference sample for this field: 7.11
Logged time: 2.36
